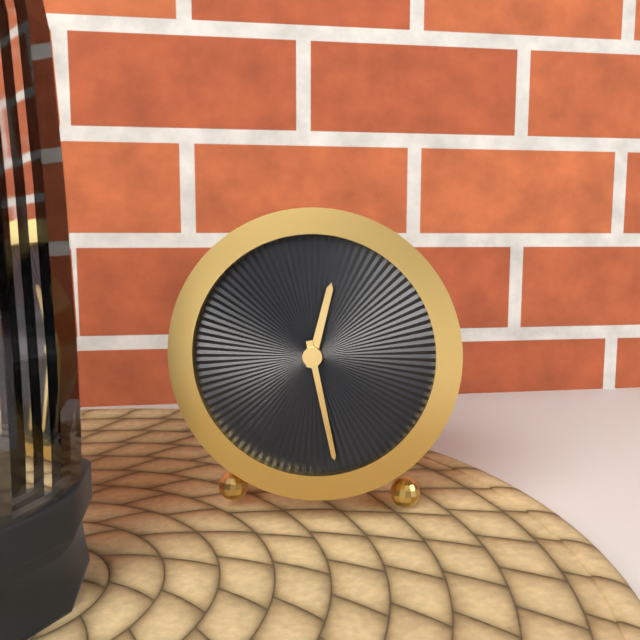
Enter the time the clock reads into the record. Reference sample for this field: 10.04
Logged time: 12.28
